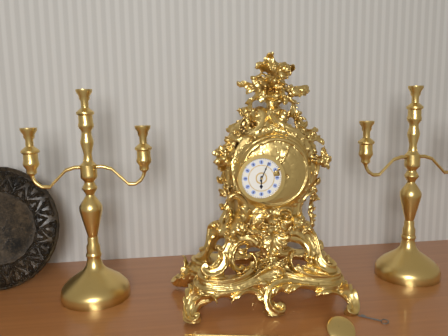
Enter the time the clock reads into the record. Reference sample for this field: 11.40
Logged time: 6.04
